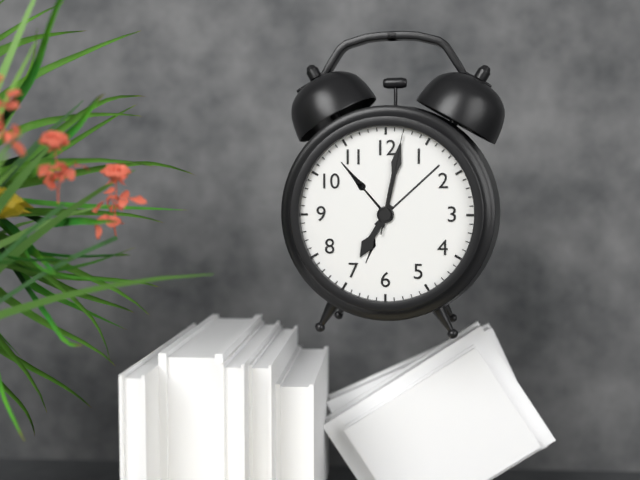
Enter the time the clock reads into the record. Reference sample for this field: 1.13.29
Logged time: 7.02.02
